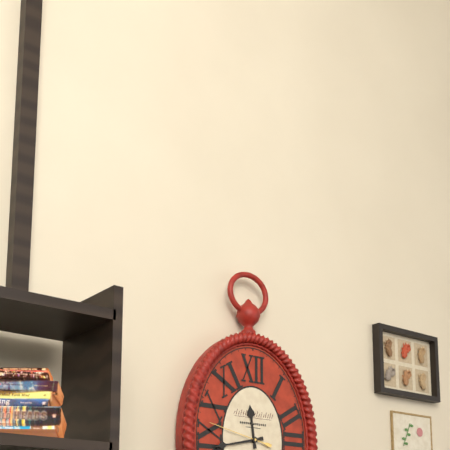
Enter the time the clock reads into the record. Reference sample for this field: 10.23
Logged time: 11.43
